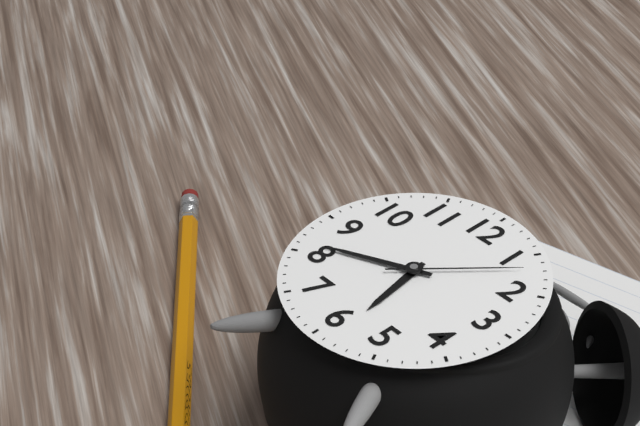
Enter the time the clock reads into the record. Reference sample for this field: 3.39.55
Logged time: 5.41.07
